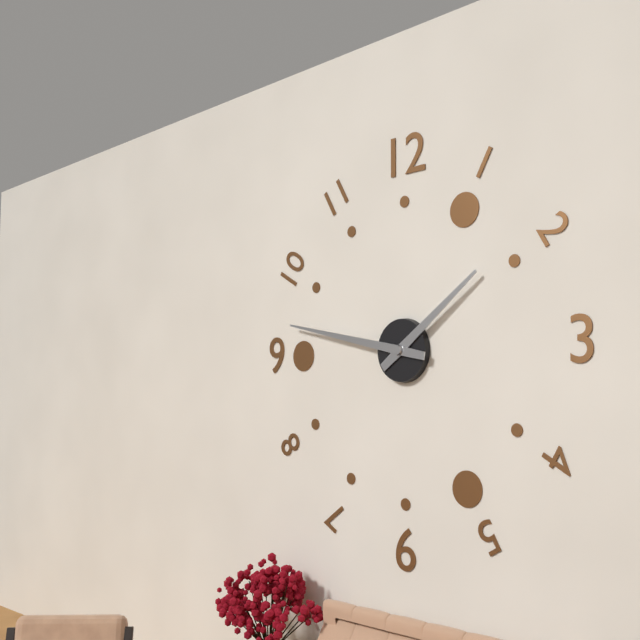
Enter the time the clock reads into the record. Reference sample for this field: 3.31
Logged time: 1.47
